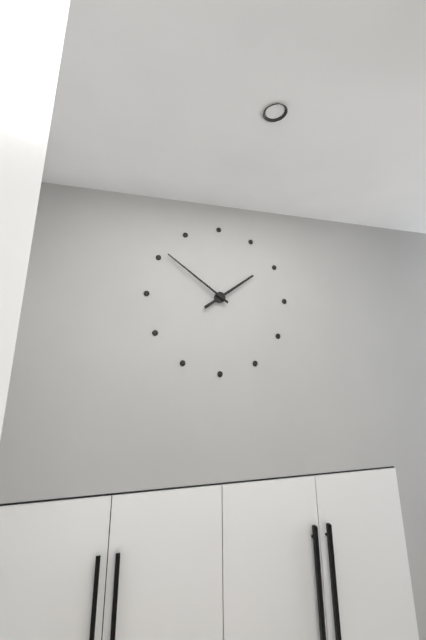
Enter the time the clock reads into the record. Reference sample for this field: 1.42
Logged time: 1.51
